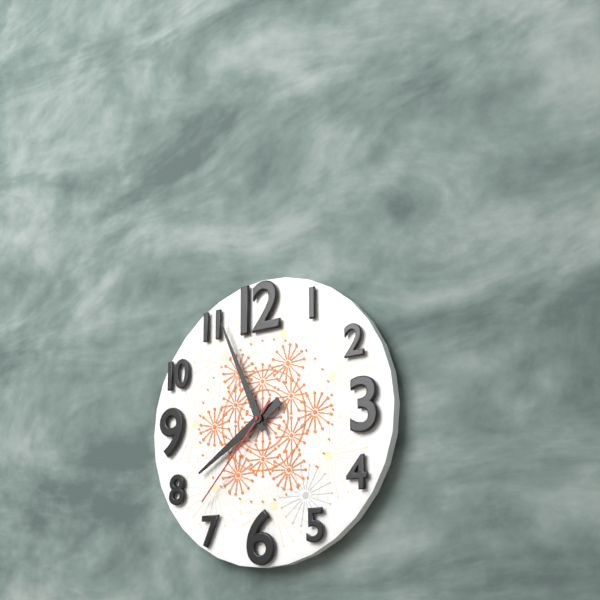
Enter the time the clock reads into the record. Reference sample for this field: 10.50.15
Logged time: 7.56.37
